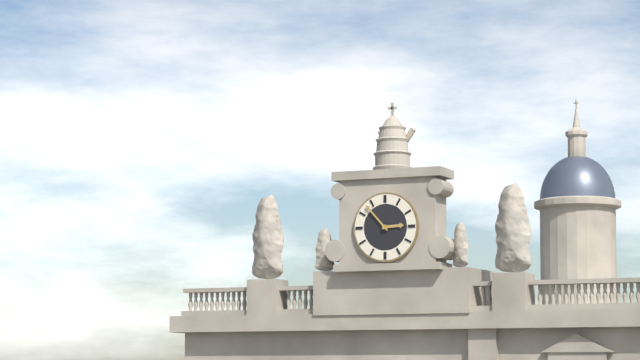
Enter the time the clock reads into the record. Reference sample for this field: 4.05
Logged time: 2.53
